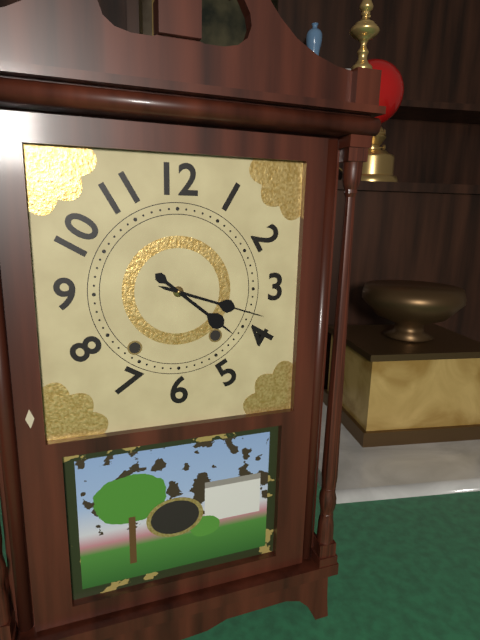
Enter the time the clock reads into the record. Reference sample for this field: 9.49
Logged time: 4.18
